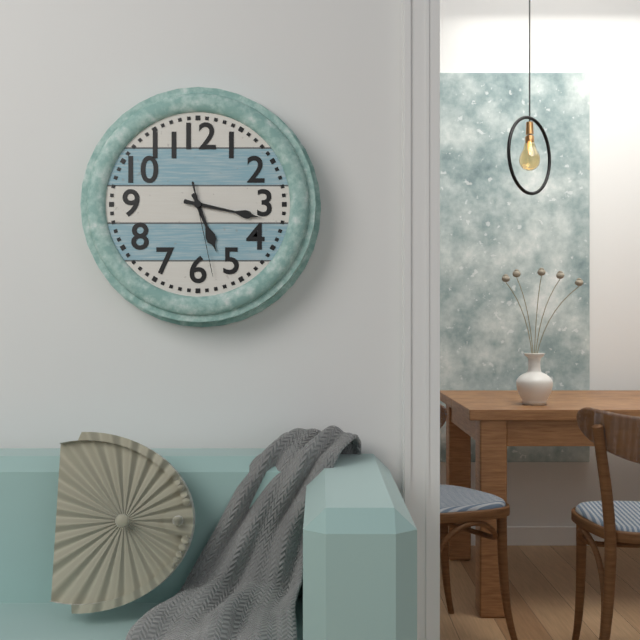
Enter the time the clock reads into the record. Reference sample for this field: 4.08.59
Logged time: 5.17.28
